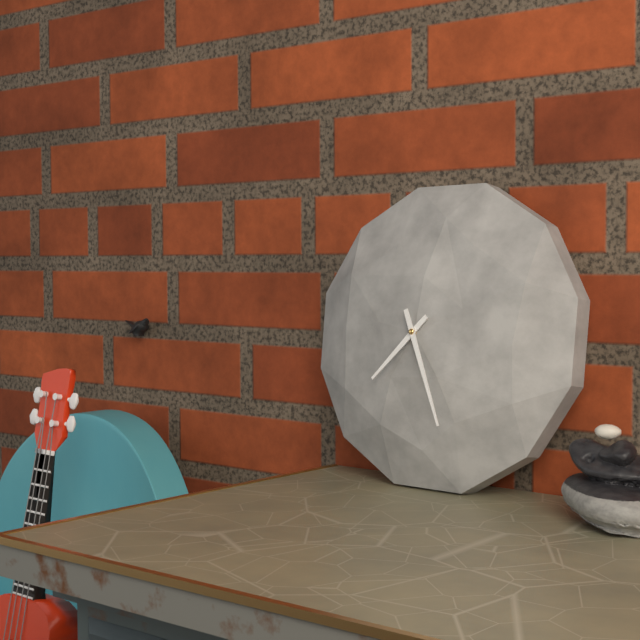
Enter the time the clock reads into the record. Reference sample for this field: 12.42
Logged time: 7.26
